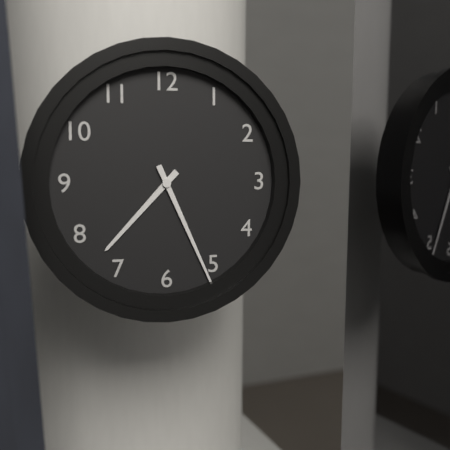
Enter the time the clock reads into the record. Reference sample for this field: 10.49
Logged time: 7.26
